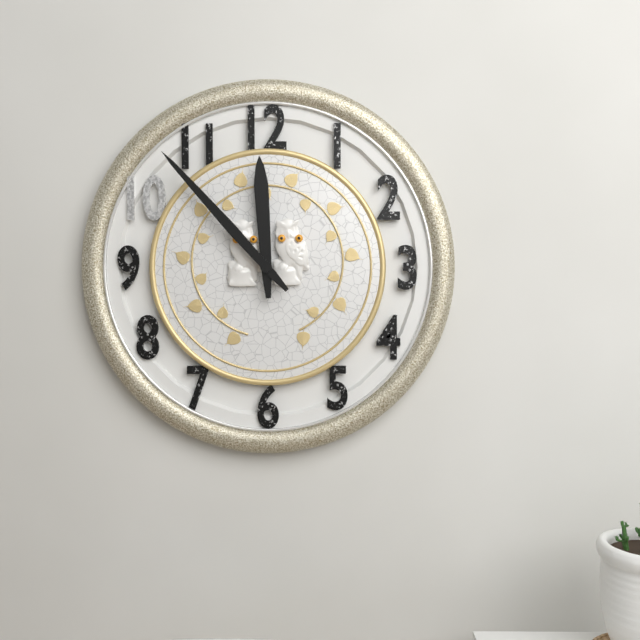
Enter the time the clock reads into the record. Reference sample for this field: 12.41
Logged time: 11.53
